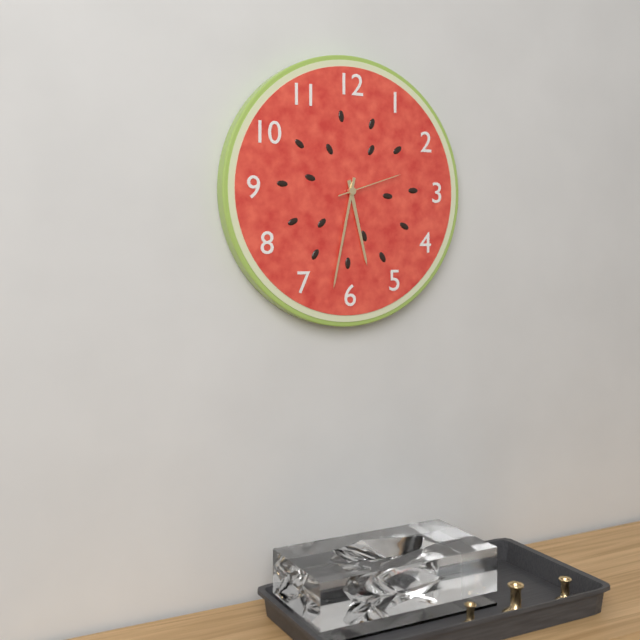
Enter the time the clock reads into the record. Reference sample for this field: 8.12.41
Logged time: 5.32.12
